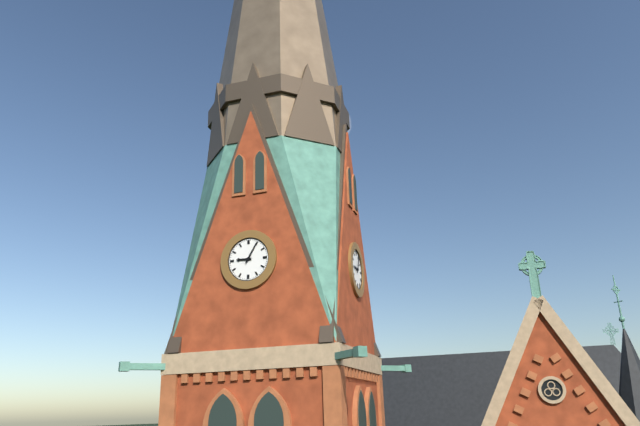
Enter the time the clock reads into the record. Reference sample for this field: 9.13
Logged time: 9.05
